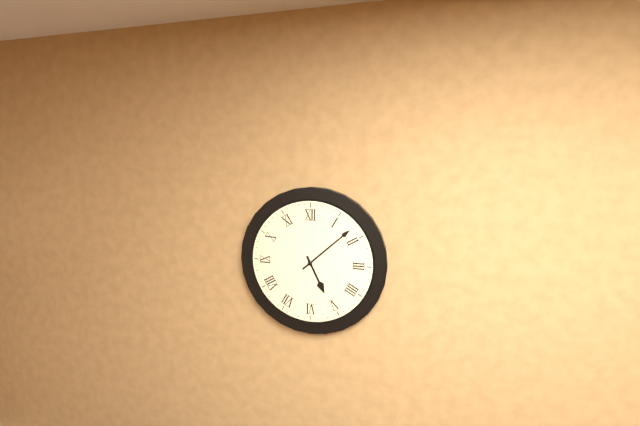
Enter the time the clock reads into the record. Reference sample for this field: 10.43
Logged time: 5.08
